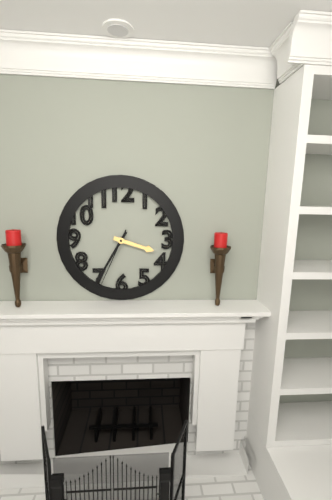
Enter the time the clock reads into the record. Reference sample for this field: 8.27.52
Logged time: 3.35.34
